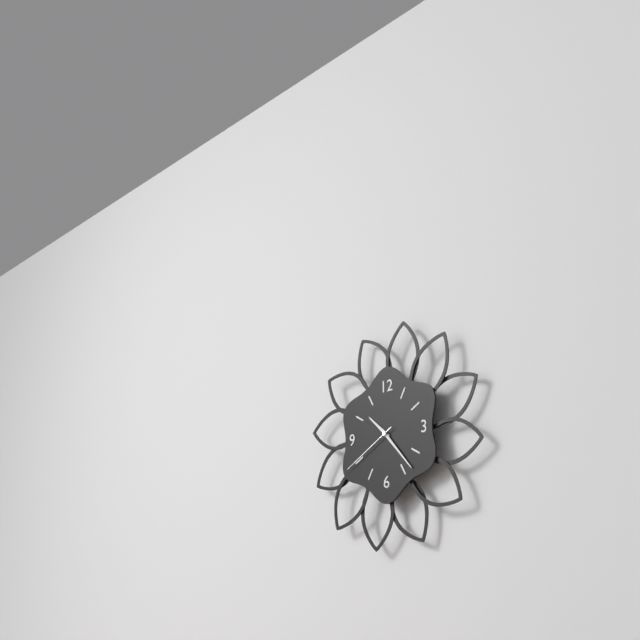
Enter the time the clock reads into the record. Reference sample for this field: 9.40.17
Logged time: 10.23.40
